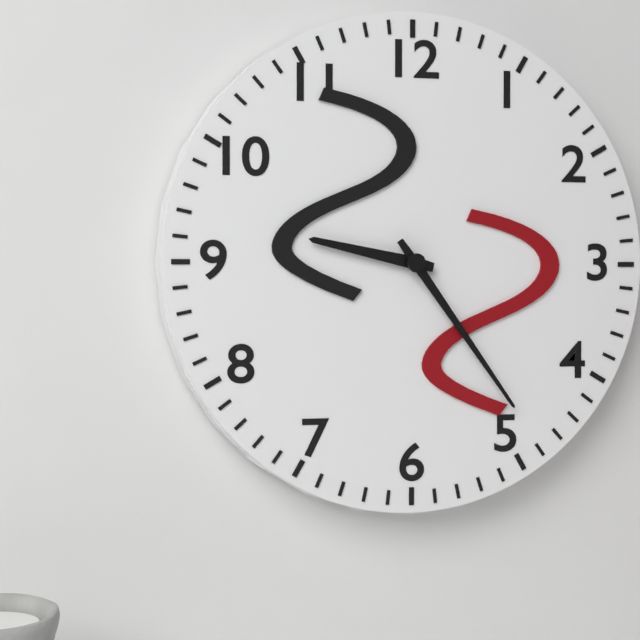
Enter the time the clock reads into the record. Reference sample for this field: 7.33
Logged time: 9.24
